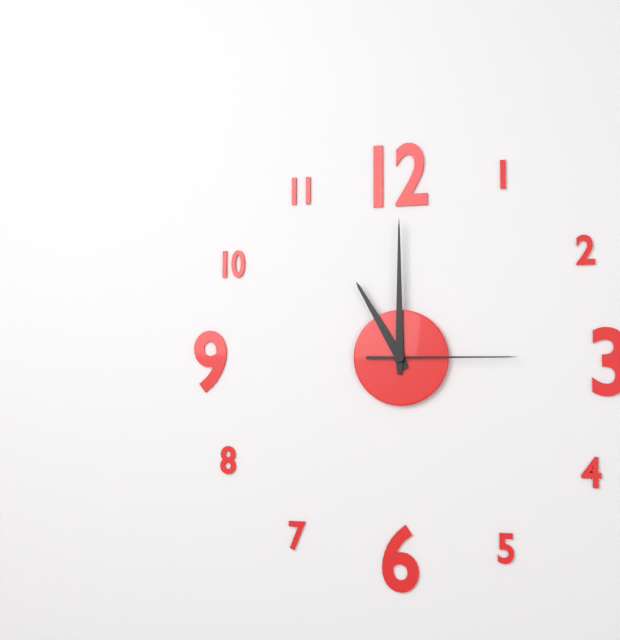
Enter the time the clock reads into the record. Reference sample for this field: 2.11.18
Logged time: 11.00.15
